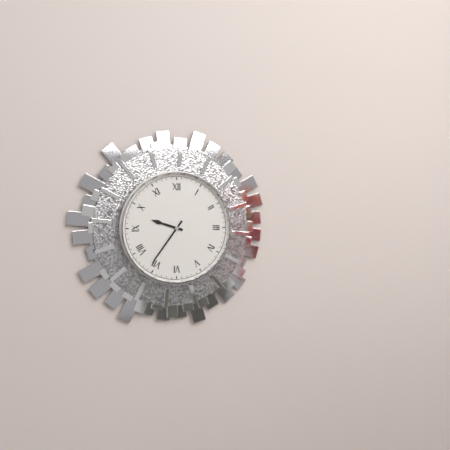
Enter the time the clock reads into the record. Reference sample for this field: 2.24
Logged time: 9.36
